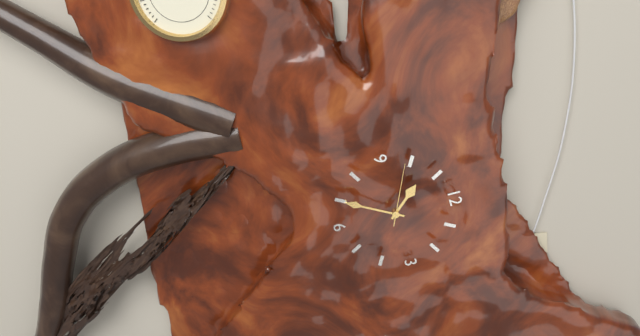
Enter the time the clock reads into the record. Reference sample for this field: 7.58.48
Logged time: 10.35.49
